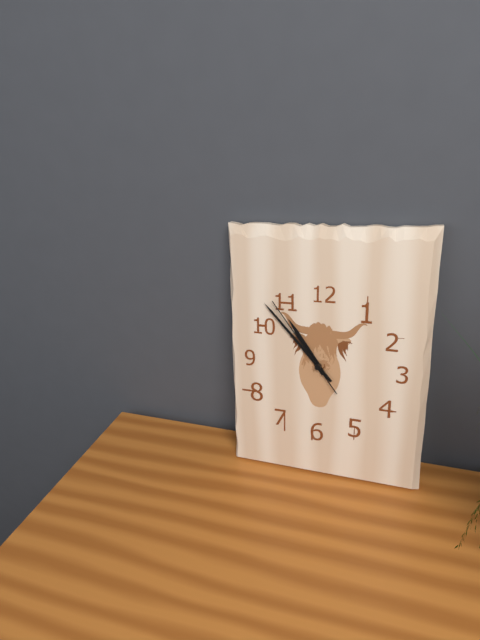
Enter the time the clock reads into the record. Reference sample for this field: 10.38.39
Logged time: 10.53.54
